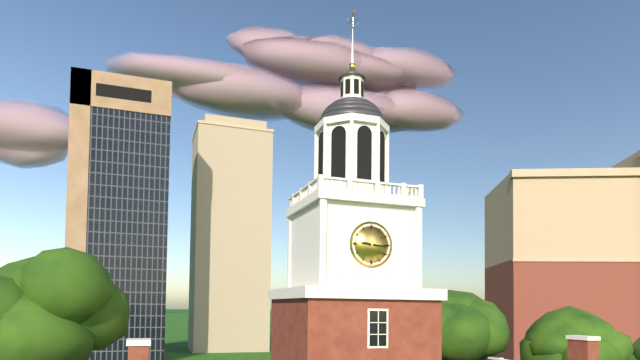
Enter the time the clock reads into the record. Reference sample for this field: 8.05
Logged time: 9.16
